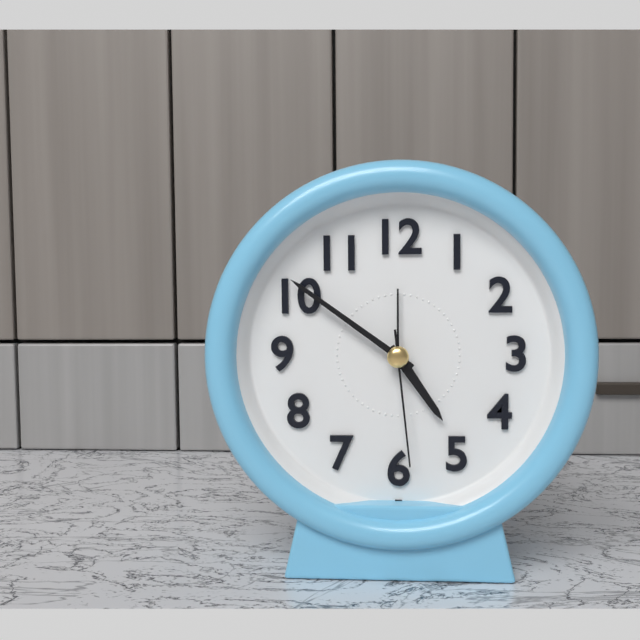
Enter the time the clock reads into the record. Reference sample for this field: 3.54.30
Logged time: 4.51.29
